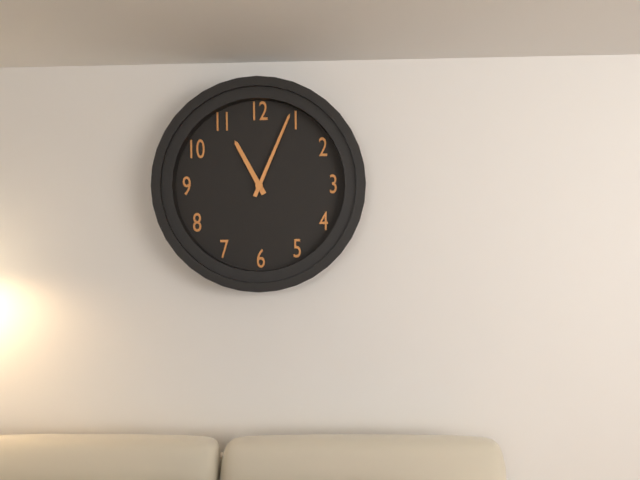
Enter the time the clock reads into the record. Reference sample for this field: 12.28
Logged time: 11.04
